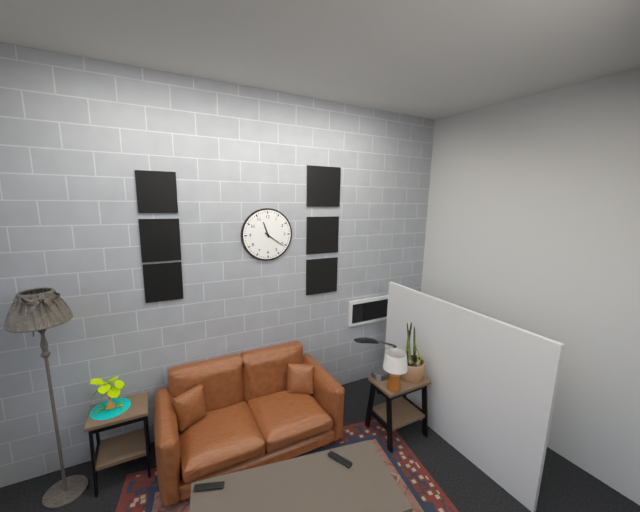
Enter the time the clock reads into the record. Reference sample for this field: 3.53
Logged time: 11.21
